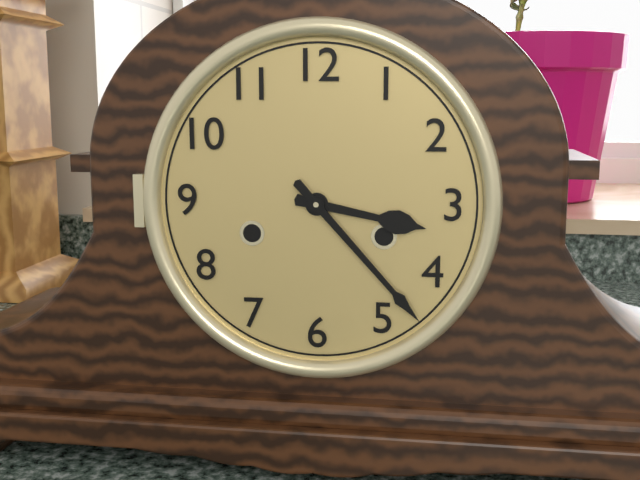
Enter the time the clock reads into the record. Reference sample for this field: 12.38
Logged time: 3.23
